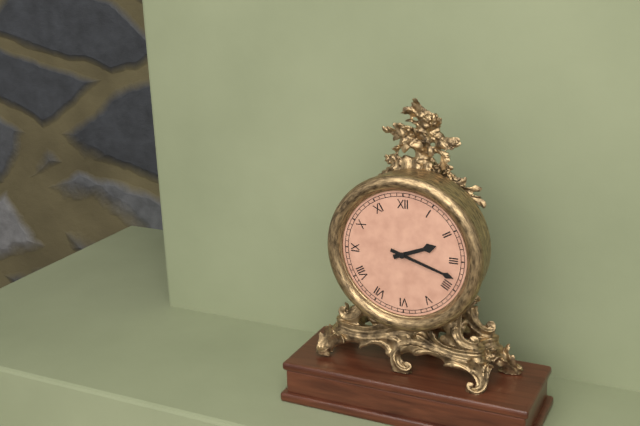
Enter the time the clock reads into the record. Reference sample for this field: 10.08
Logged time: 2.18
